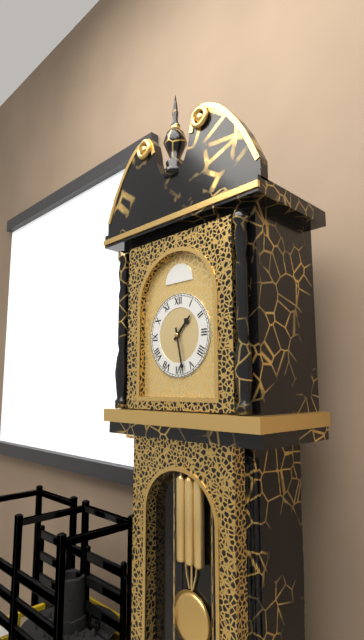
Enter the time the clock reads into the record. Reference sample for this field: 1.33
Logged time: 1.28
